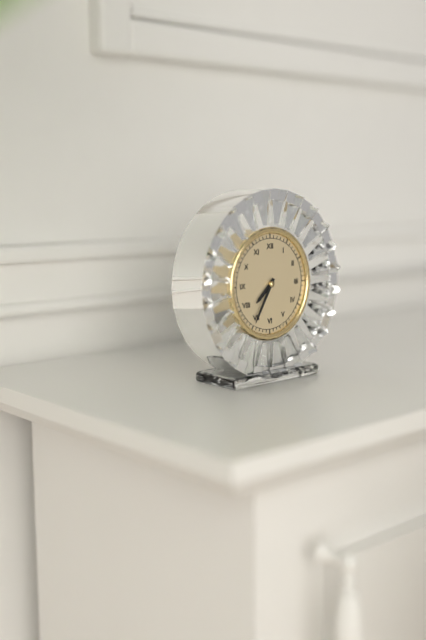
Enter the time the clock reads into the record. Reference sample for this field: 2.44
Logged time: 7.35
